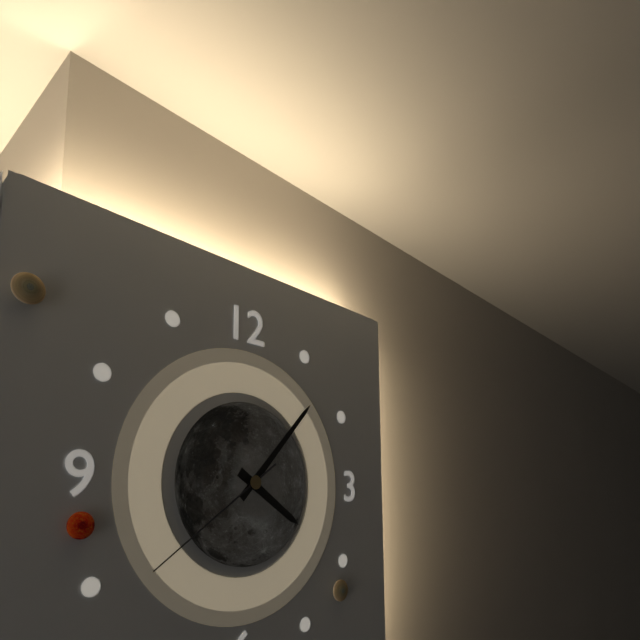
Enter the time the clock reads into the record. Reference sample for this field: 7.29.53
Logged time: 4.07.39
